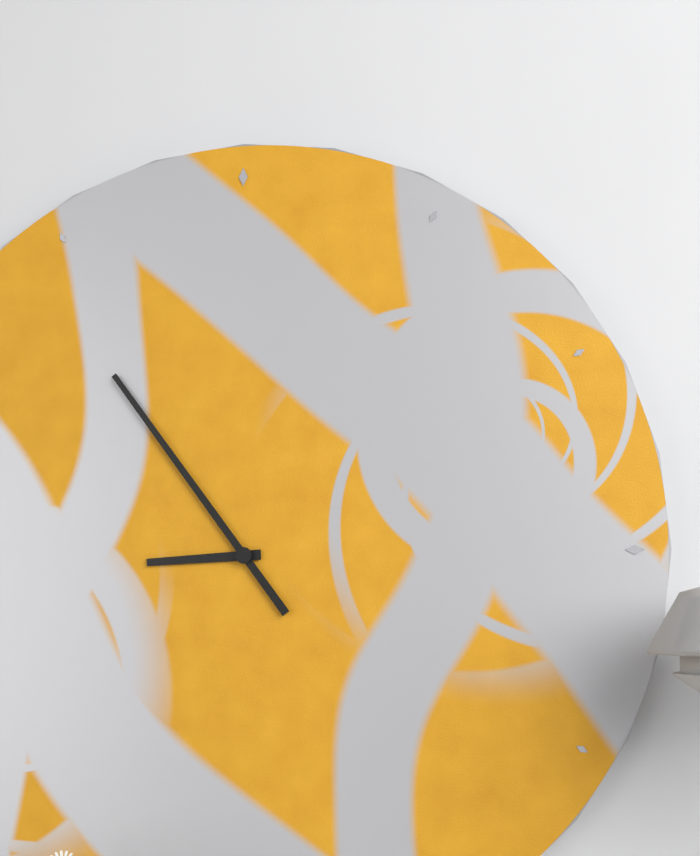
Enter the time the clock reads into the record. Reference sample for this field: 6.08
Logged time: 8.54
